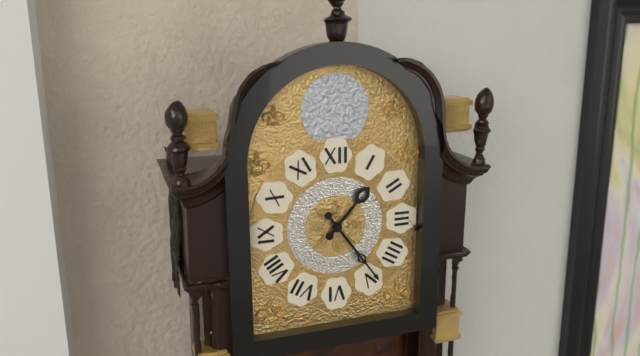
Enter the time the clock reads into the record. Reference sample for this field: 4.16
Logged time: 1.24
